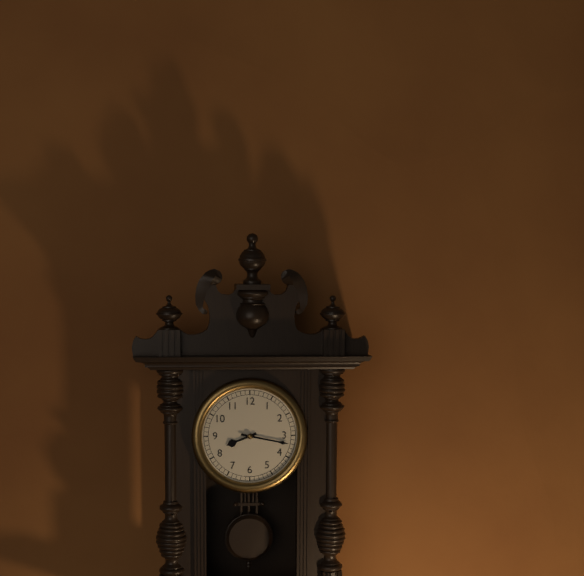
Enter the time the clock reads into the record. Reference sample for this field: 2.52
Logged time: 8.17
